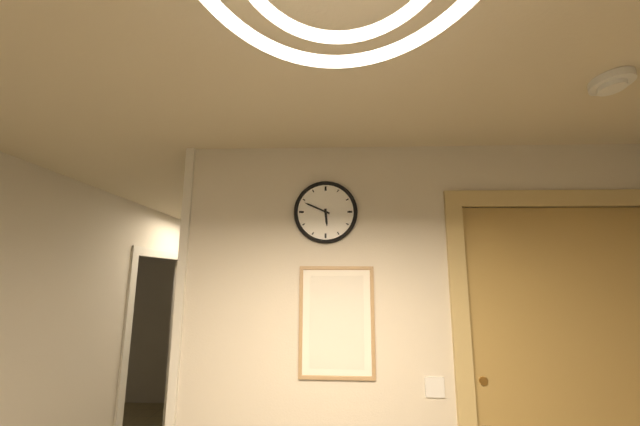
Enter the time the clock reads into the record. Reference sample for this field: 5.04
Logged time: 5.49
